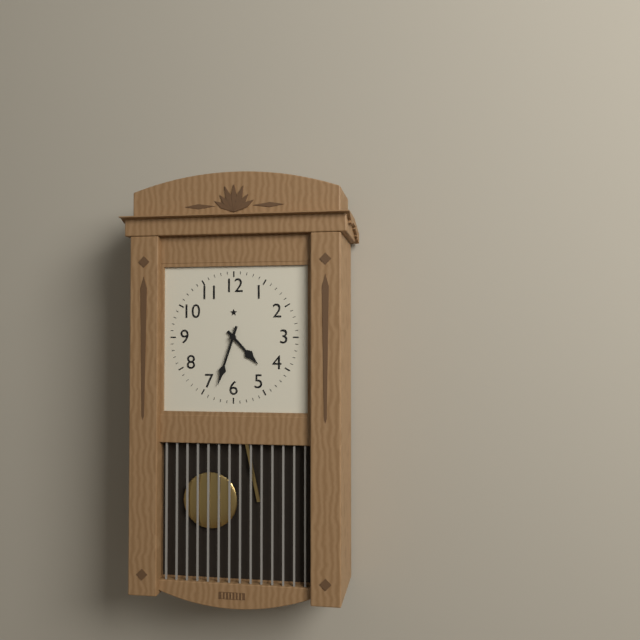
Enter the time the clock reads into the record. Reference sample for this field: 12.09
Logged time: 4.33
